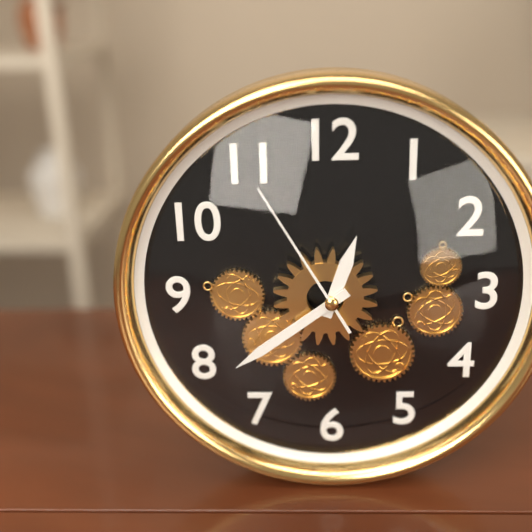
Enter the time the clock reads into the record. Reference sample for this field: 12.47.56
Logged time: 12.39.55
